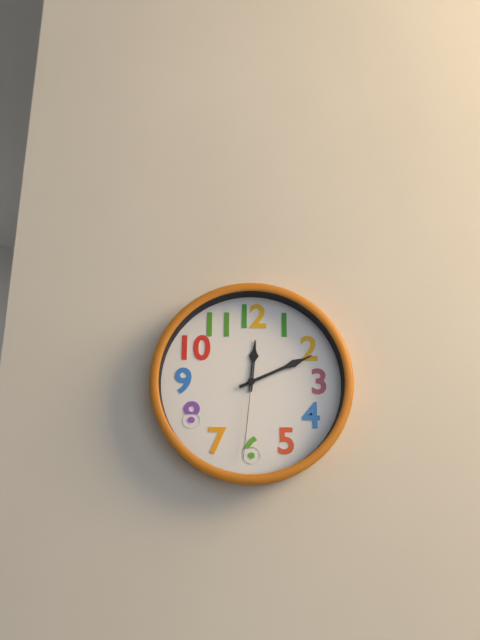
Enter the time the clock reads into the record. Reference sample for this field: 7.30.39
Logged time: 12.11.31
